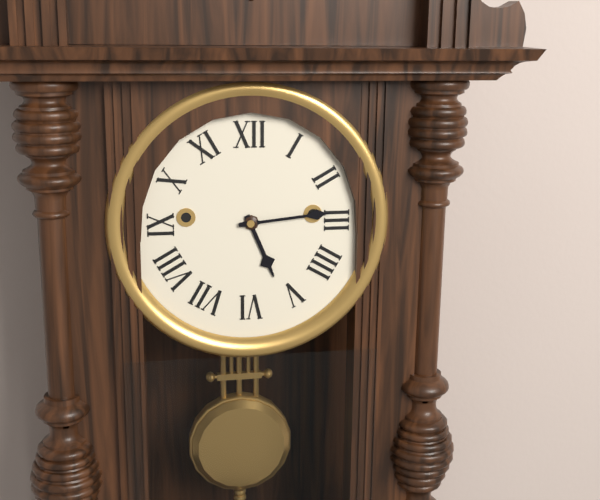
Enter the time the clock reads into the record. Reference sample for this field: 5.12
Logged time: 5.14
